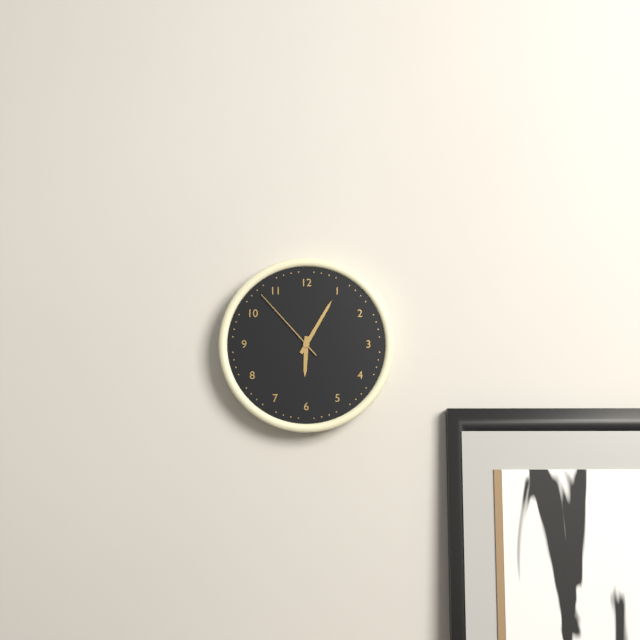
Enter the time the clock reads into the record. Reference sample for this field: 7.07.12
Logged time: 6.05.53
